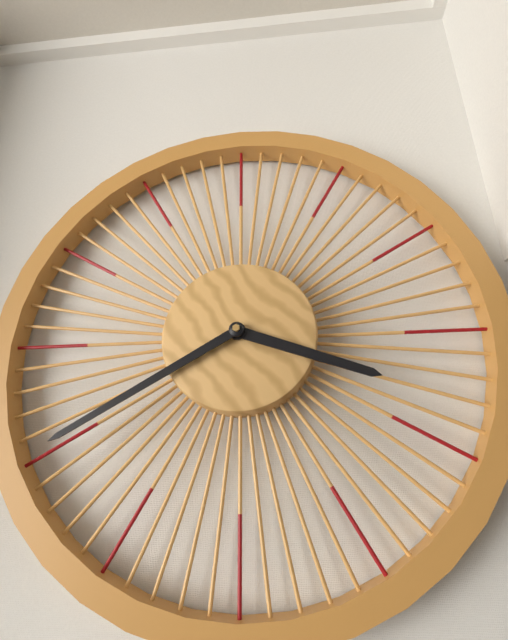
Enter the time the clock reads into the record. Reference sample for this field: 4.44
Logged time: 3.40
